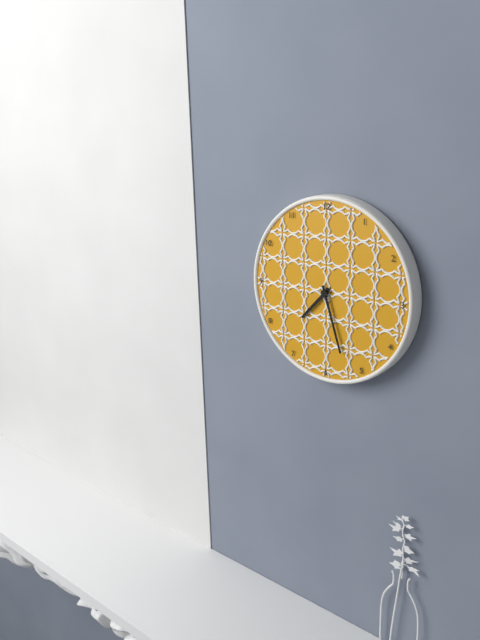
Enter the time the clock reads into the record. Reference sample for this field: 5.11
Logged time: 7.27
